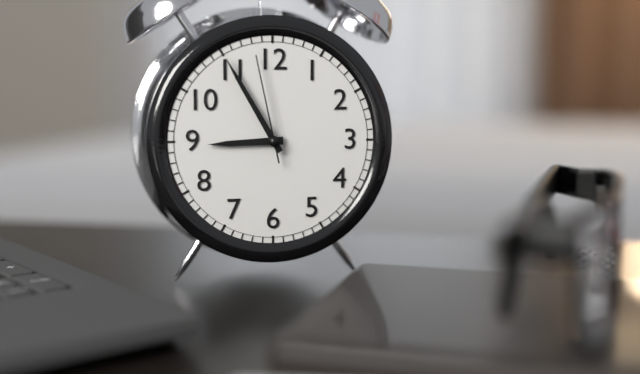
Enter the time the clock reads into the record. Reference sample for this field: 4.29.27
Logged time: 8.55.58
